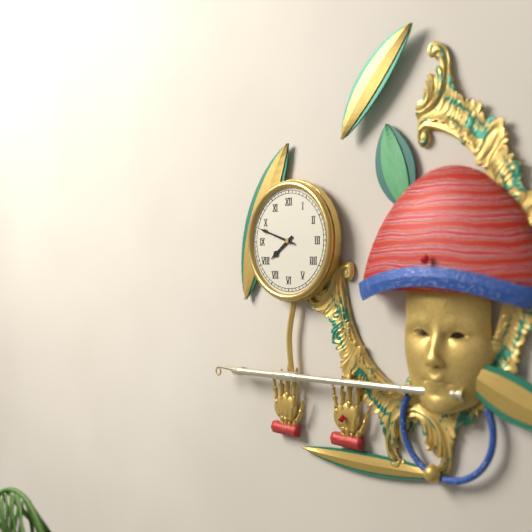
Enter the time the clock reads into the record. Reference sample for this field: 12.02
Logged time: 7.48
